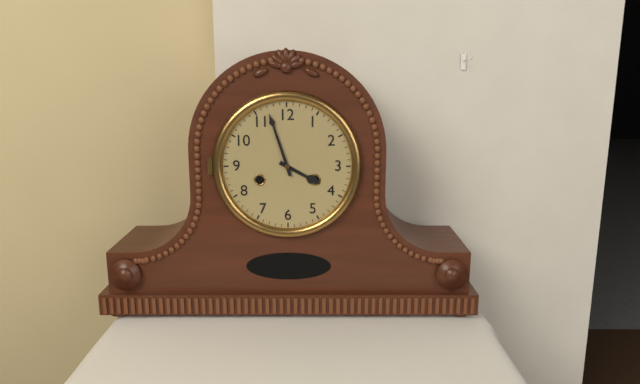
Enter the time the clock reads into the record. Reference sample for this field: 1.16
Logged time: 3.57
